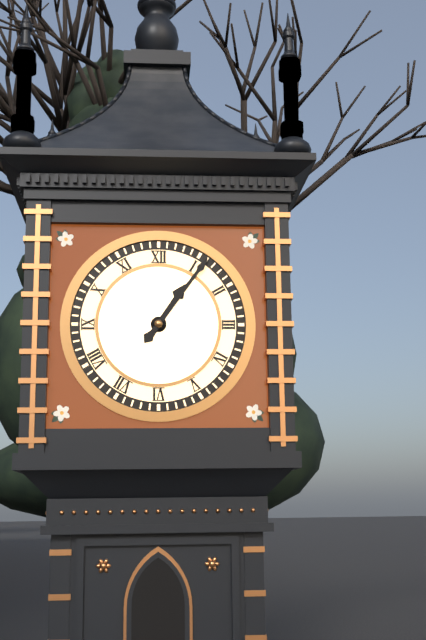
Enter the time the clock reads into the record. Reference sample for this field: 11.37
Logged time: 1.06
